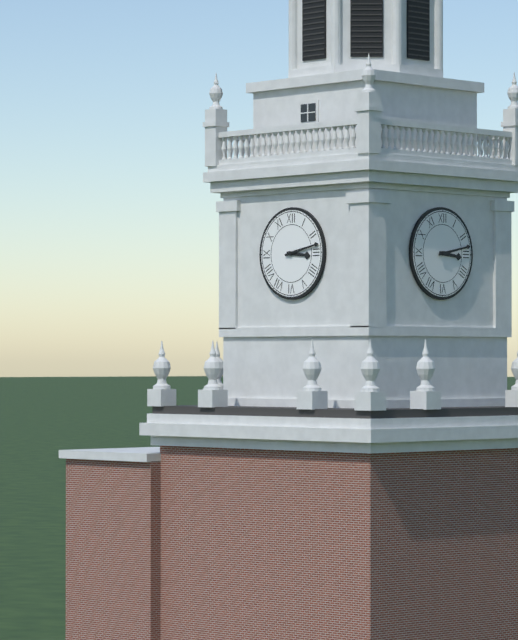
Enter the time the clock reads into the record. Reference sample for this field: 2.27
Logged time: 3.13
